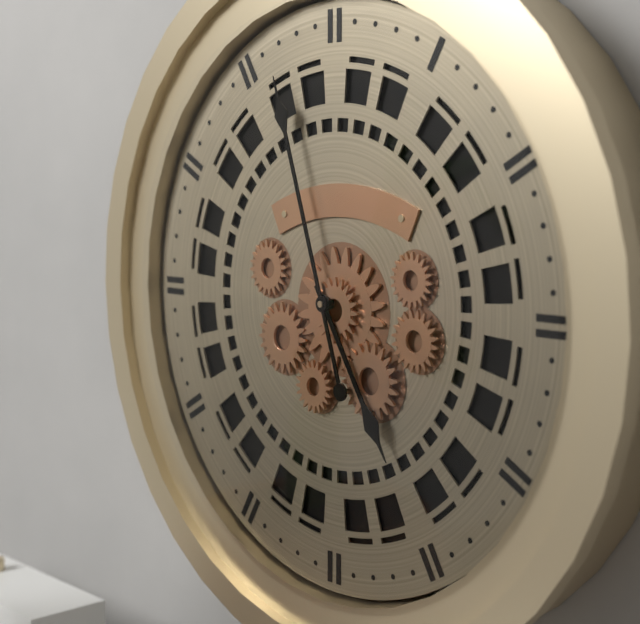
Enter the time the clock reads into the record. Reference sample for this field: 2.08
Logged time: 4.57
